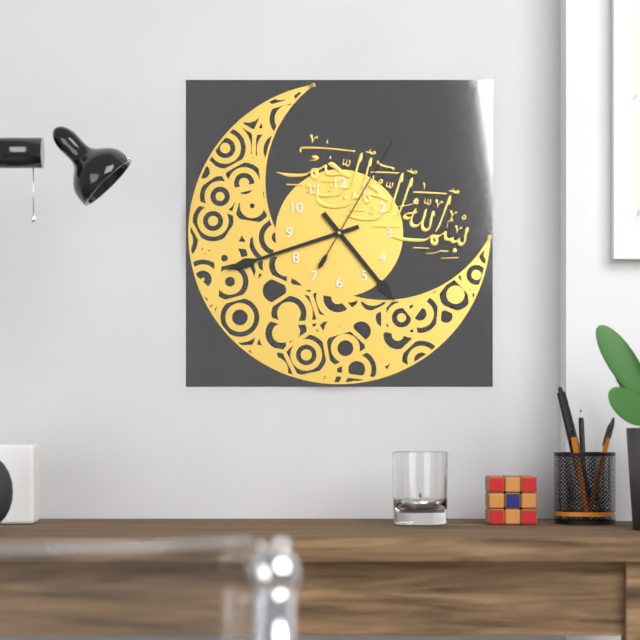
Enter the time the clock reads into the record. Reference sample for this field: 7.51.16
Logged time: 4.42.05
